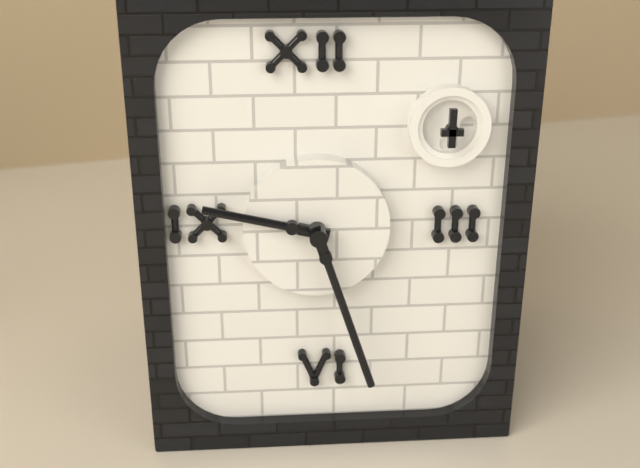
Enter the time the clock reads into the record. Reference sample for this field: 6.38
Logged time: 9.27
